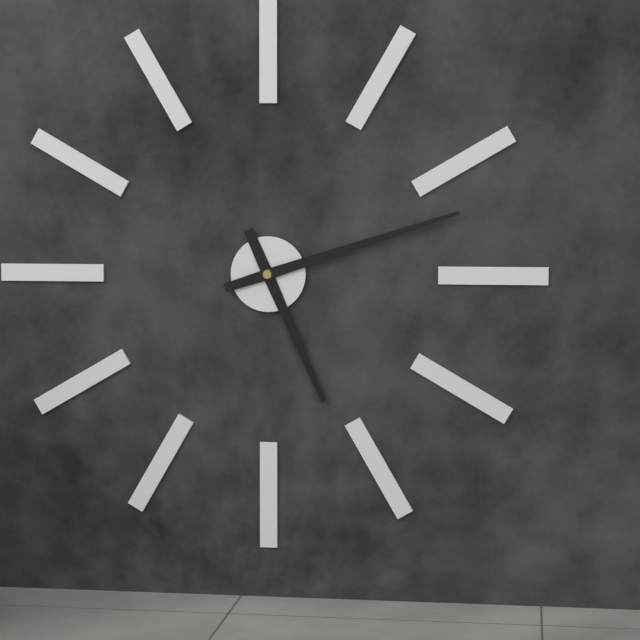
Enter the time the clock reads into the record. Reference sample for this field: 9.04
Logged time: 5.12
